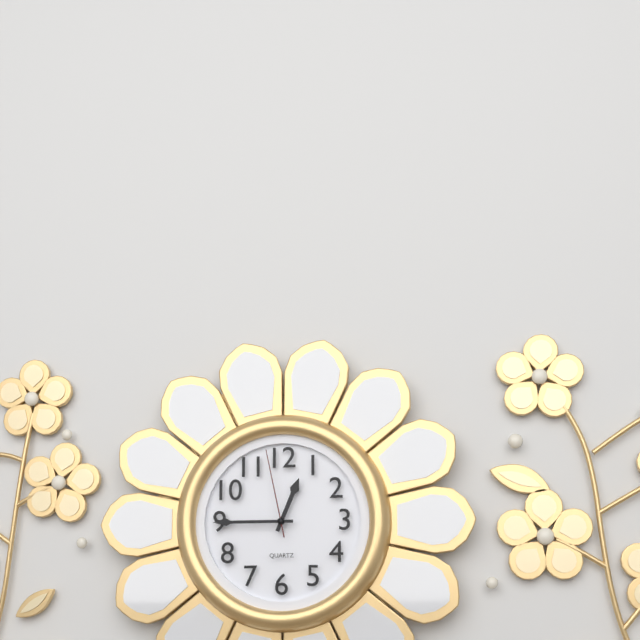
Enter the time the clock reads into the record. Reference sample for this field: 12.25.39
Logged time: 12.45.58
